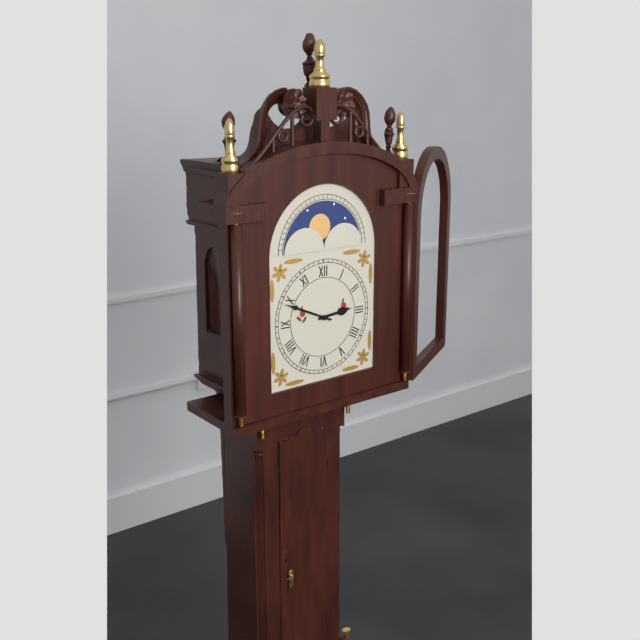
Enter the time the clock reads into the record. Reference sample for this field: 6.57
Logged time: 2.49
